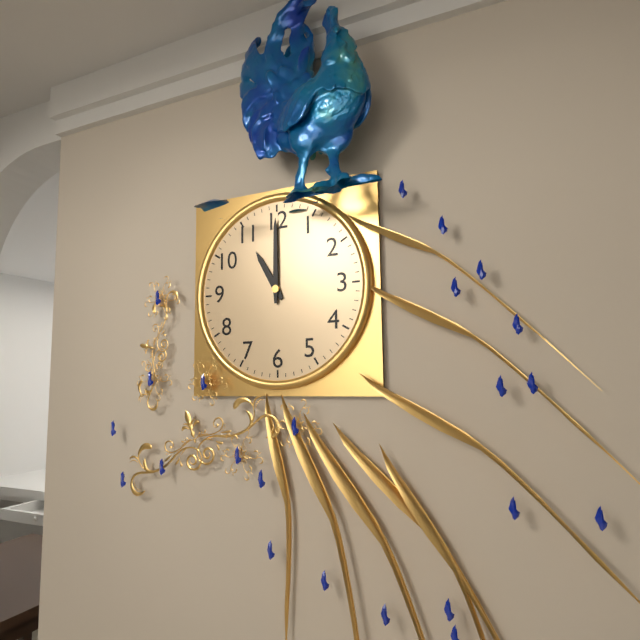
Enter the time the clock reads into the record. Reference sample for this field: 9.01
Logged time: 11.00
